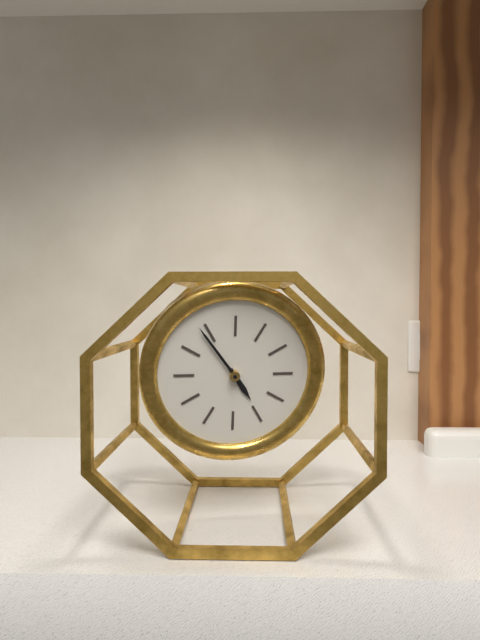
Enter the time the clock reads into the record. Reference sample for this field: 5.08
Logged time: 4.54
